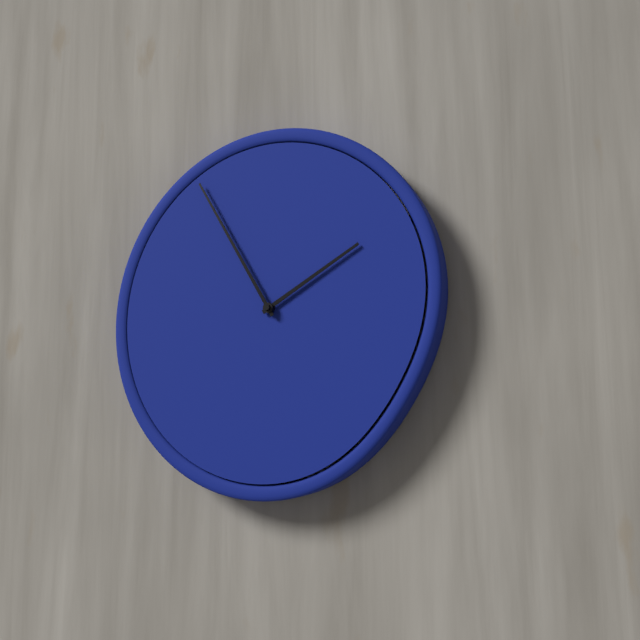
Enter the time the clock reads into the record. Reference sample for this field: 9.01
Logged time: 1.55
